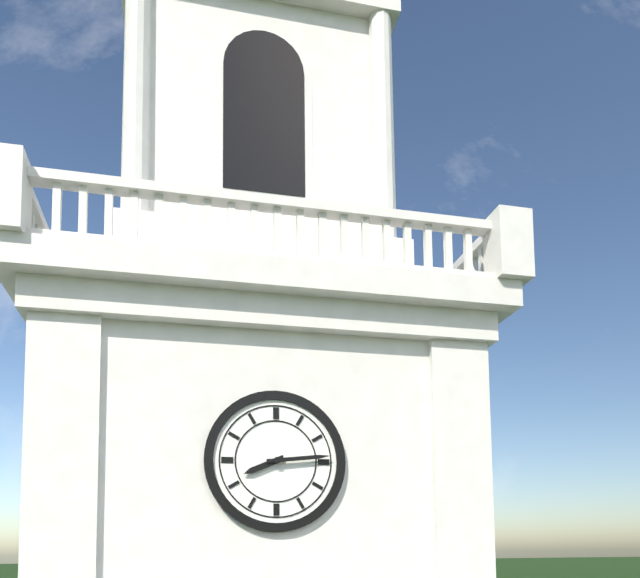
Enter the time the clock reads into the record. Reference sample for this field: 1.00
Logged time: 8.14
